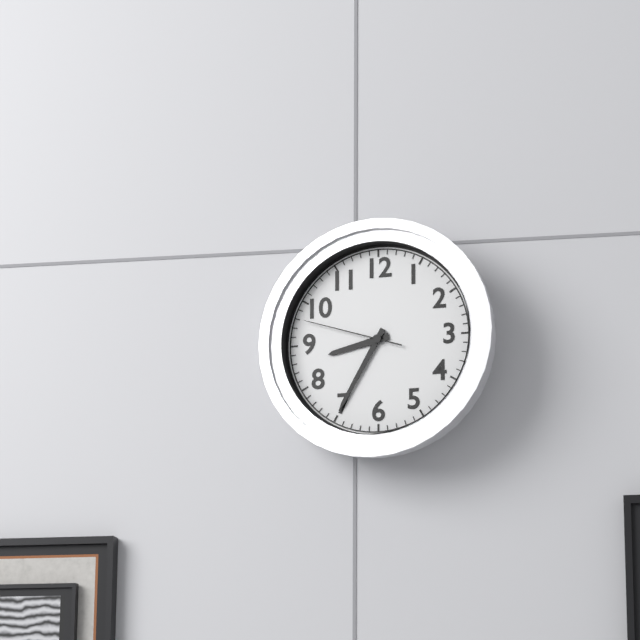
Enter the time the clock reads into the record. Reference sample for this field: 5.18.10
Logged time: 8.35.48
